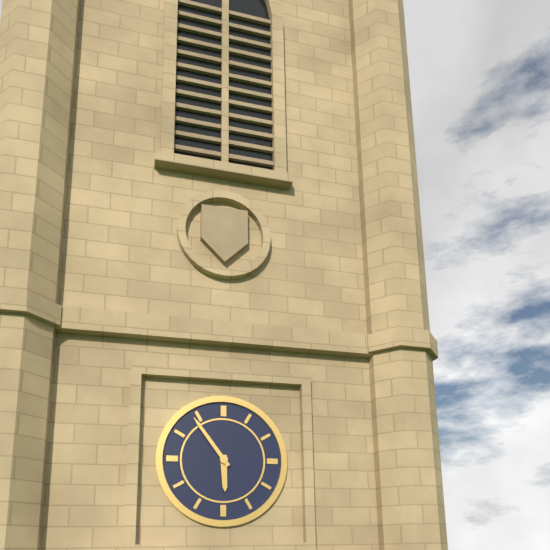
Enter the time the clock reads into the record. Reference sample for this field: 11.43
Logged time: 5.54
